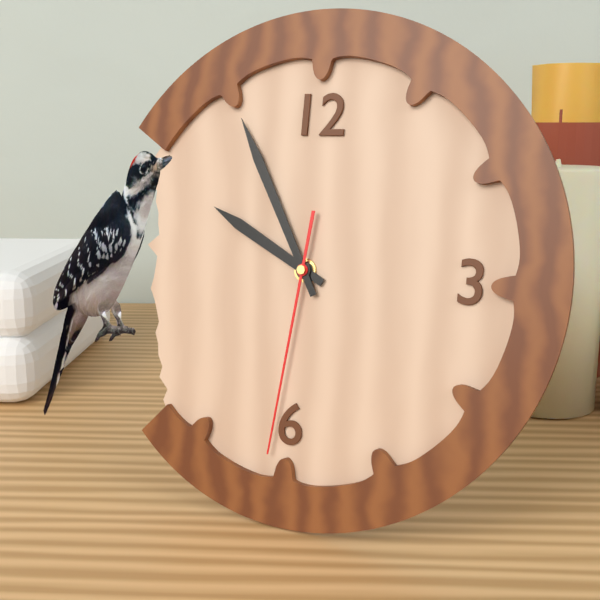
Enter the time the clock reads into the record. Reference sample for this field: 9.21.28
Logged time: 9.55.31
